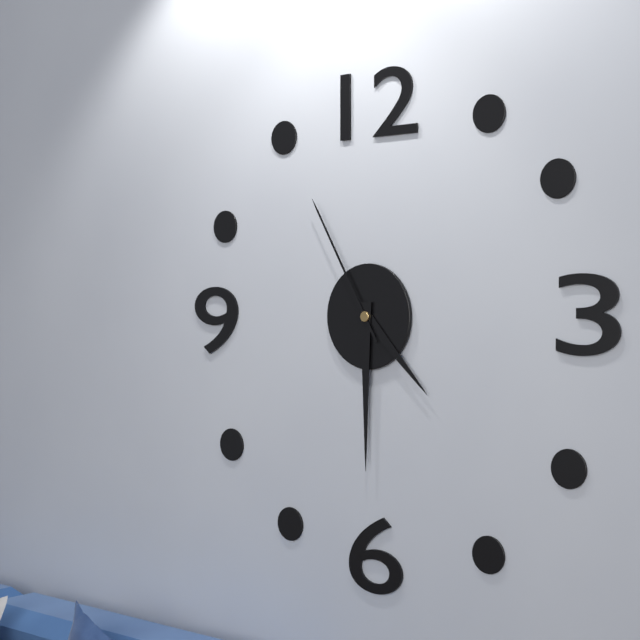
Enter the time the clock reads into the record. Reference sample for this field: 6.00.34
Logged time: 4.30.55
